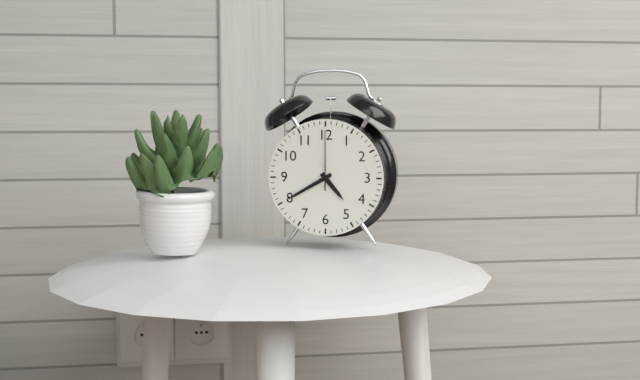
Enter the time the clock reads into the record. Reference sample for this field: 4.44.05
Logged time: 4.40.00
